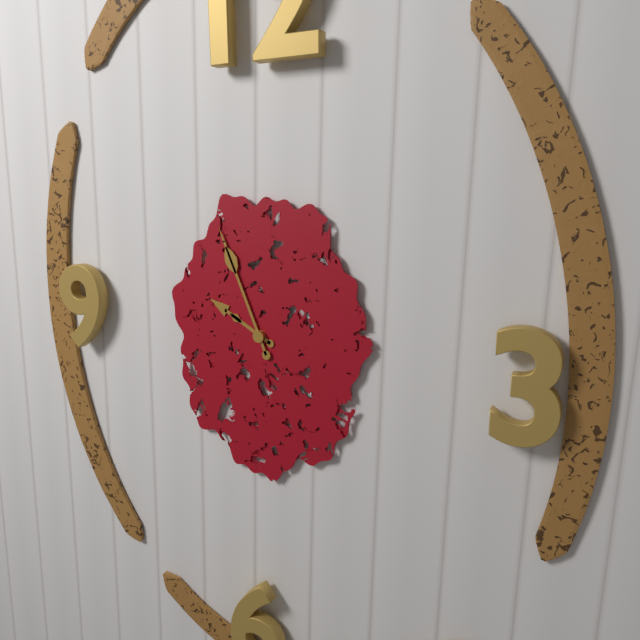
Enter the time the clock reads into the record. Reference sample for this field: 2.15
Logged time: 9.56
